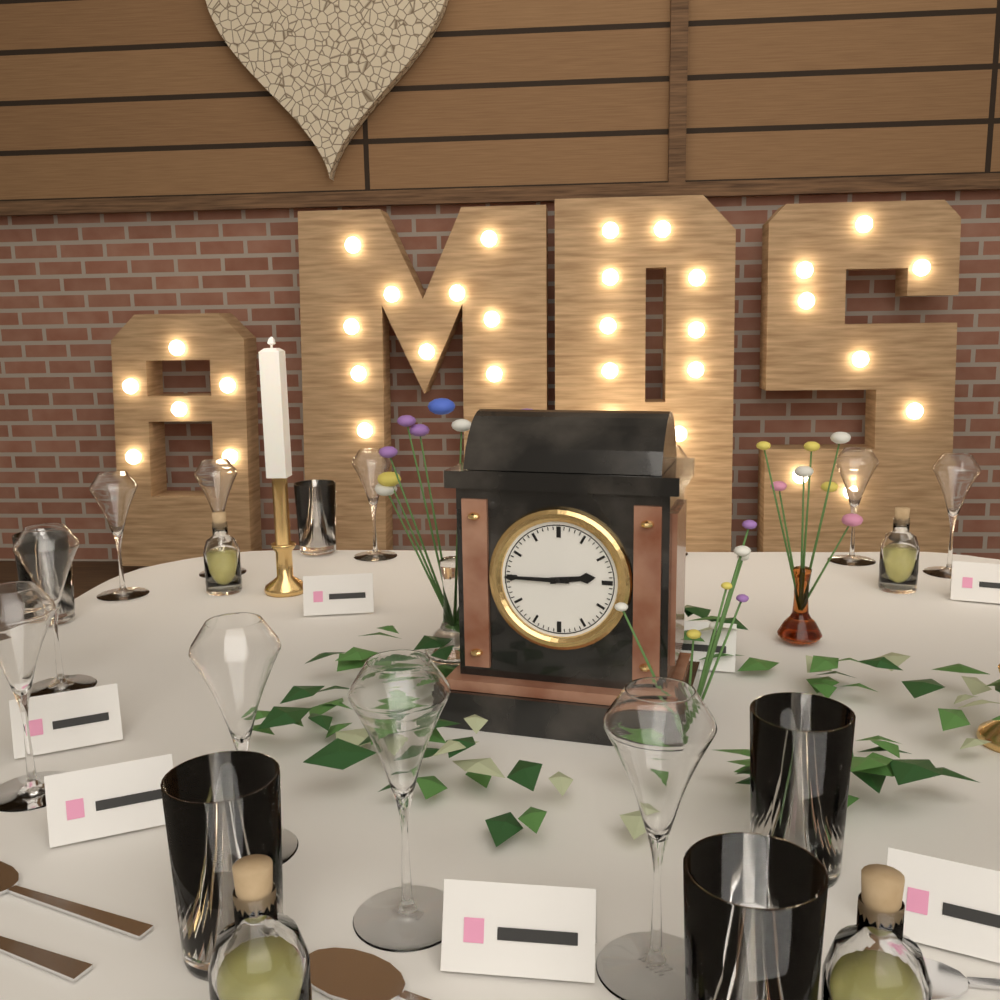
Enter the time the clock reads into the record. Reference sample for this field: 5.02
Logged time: 2.45
